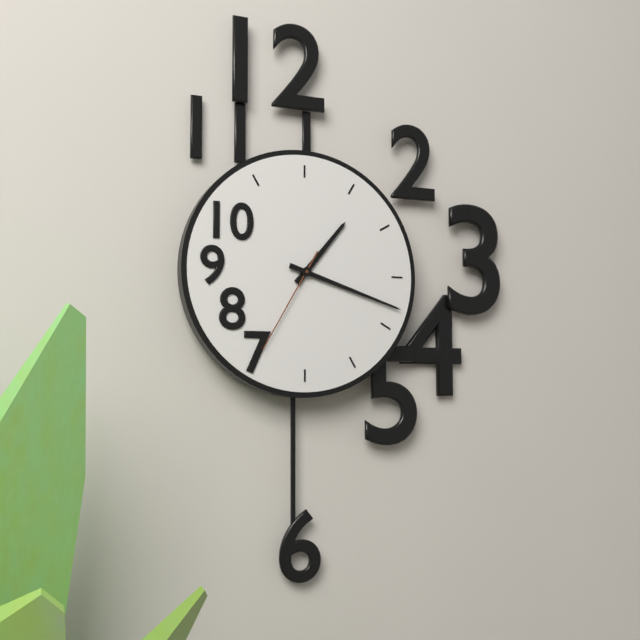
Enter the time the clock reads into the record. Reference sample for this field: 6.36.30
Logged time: 1.18.35
